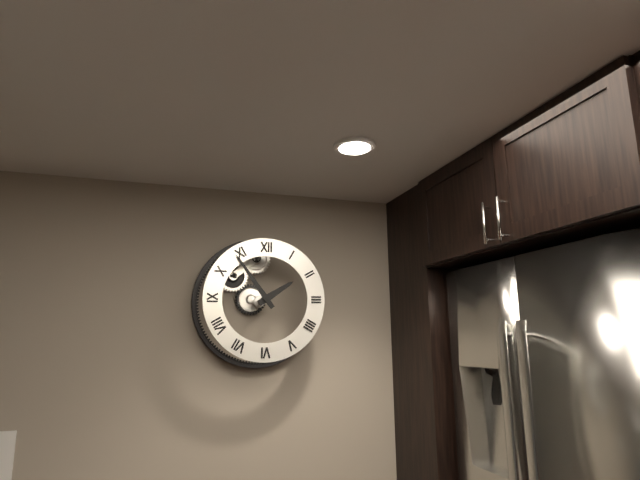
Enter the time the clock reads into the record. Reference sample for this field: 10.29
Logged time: 1.54
